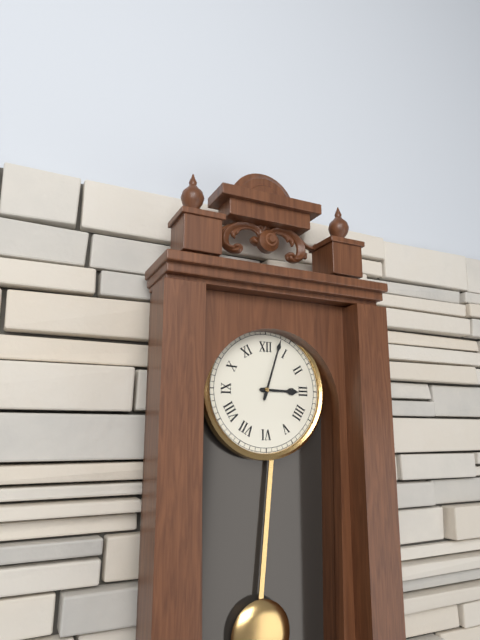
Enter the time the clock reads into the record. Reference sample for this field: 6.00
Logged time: 3.03
